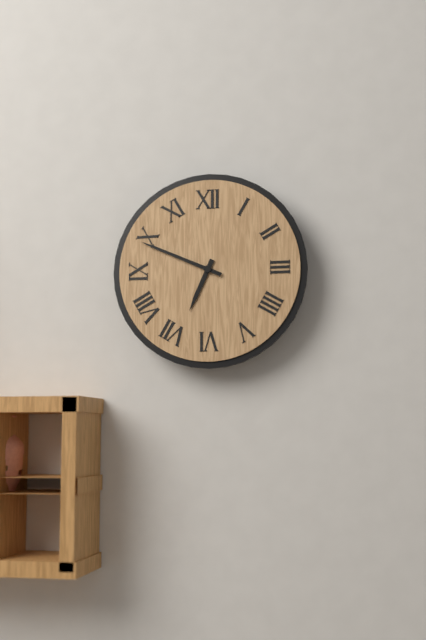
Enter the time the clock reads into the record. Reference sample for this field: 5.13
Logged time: 6.49
